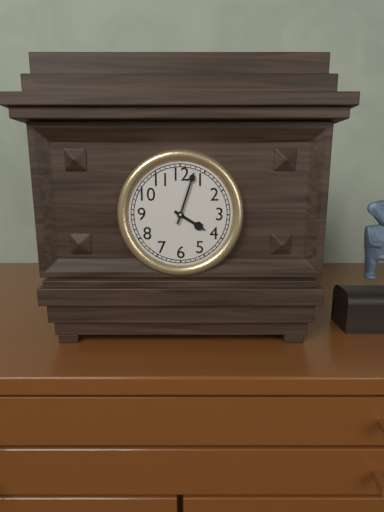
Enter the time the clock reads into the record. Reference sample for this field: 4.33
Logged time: 4.03
